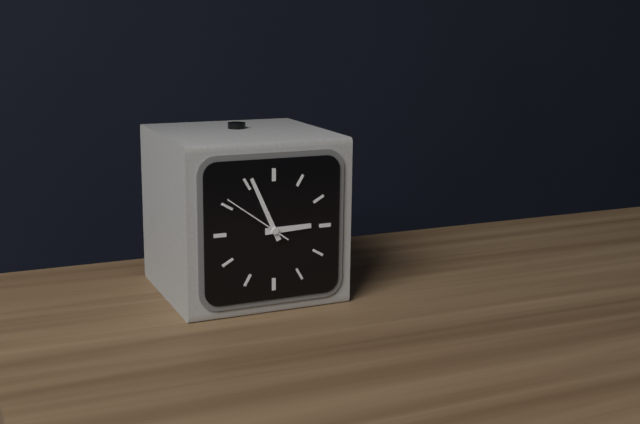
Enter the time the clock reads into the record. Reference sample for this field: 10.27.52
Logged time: 2.56.51
